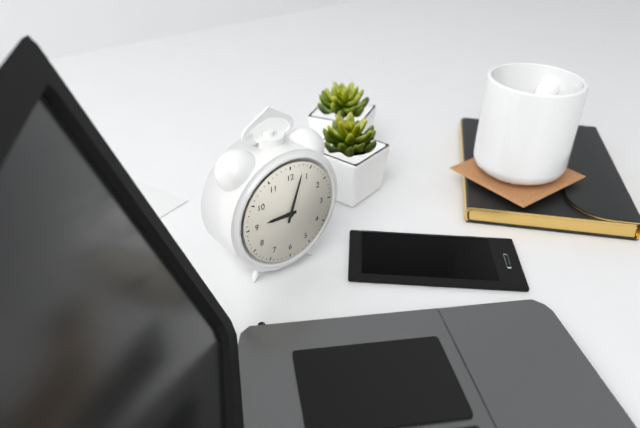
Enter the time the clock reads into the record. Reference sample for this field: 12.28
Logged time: 9.03
